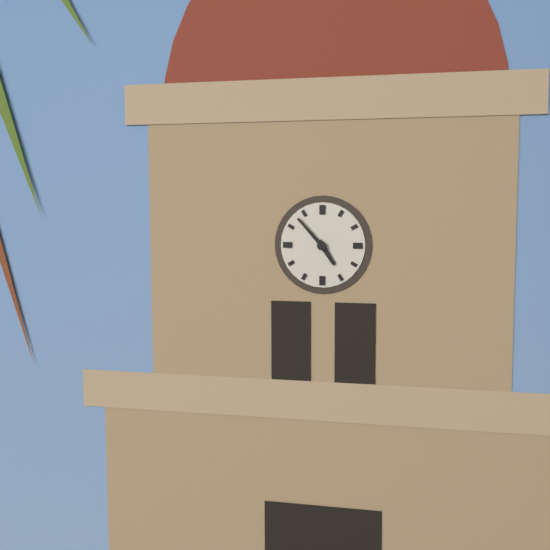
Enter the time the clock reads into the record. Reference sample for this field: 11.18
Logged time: 4.53
